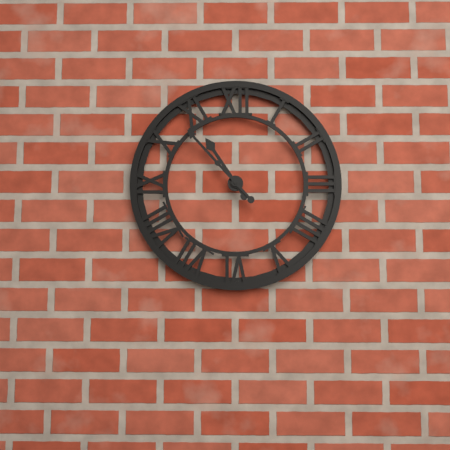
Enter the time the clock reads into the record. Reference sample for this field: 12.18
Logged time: 10.53
